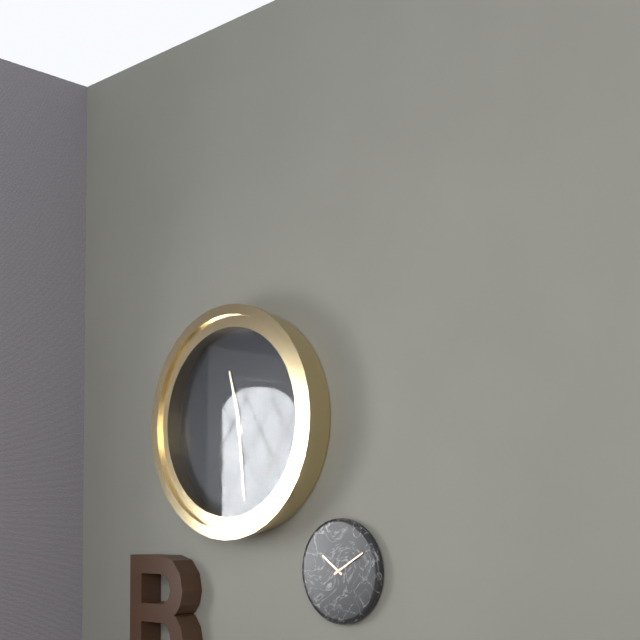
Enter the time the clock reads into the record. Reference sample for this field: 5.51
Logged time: 11.29
